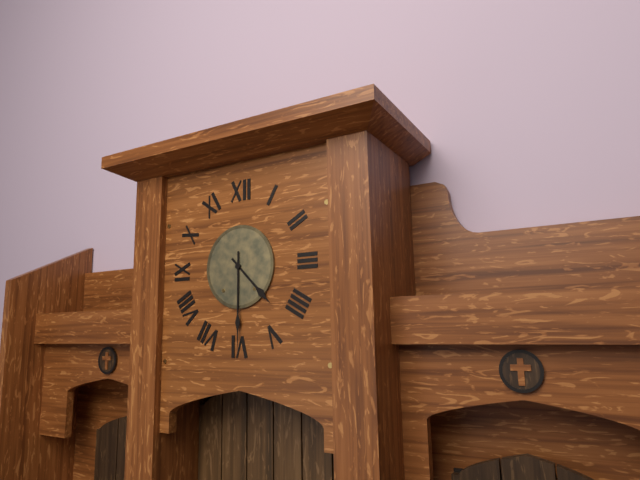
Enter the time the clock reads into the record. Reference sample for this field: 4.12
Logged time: 4.30
